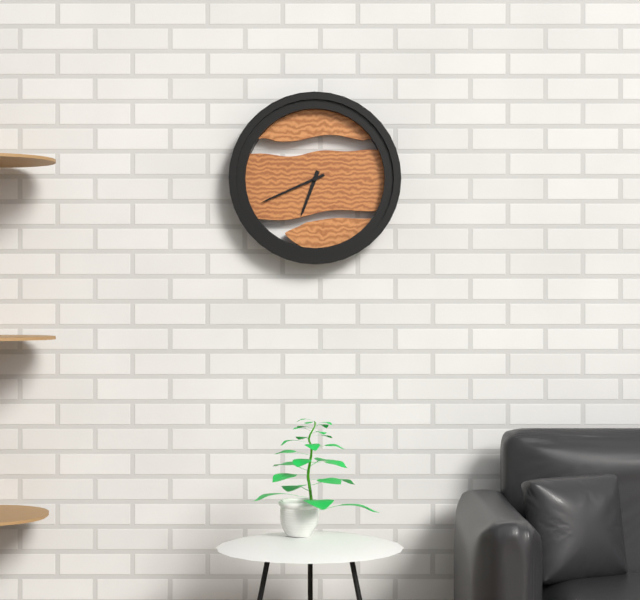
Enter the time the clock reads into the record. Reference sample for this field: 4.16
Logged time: 6.41
